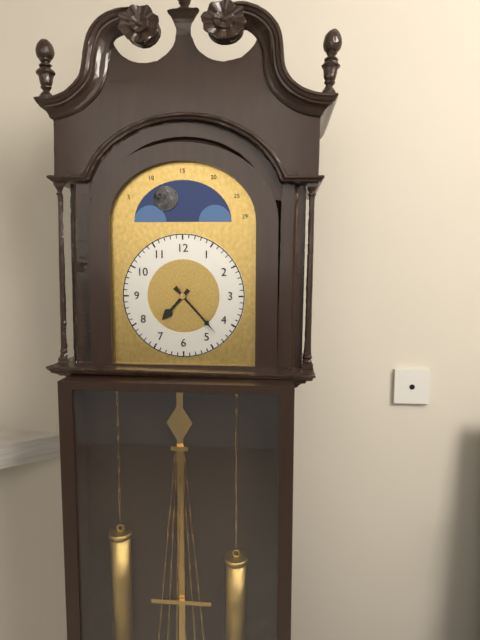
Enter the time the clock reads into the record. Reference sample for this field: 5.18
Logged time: 7.23
